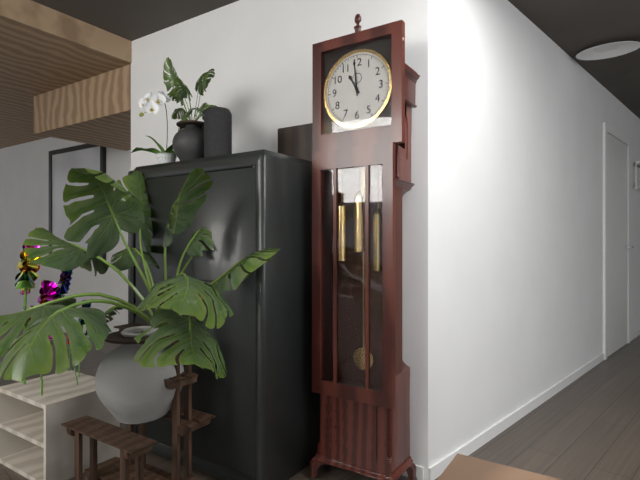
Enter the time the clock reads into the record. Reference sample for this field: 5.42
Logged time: 10.59
